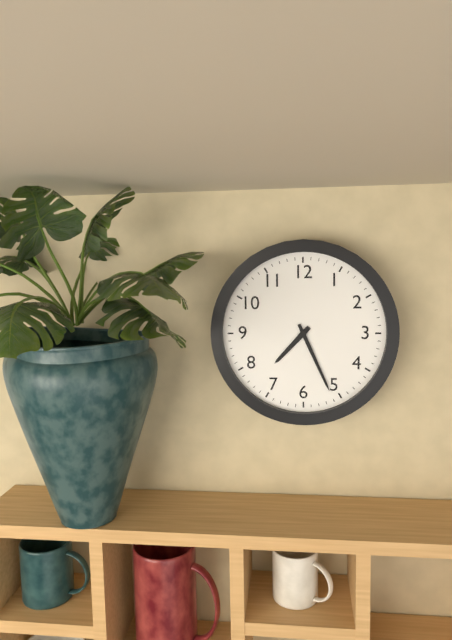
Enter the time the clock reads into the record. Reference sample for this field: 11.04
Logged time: 7.26
